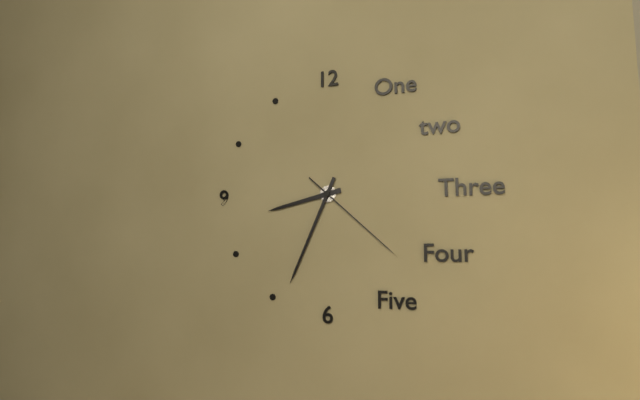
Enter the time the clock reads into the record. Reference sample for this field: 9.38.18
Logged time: 8.34.22
